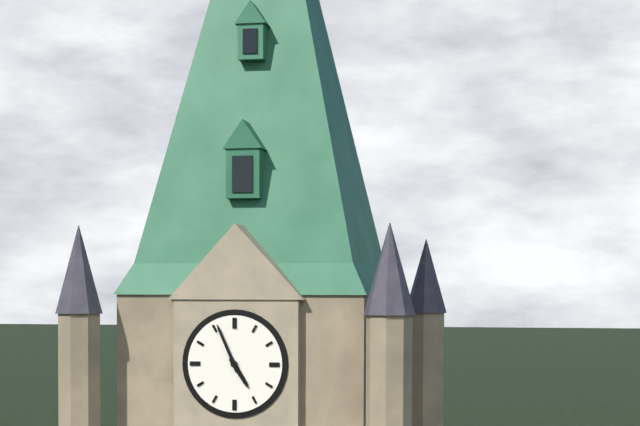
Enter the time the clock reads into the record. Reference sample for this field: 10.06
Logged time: 4.56
